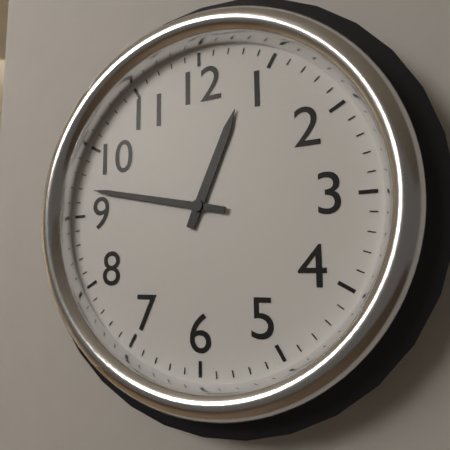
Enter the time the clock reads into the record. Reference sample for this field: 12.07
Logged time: 12.47
